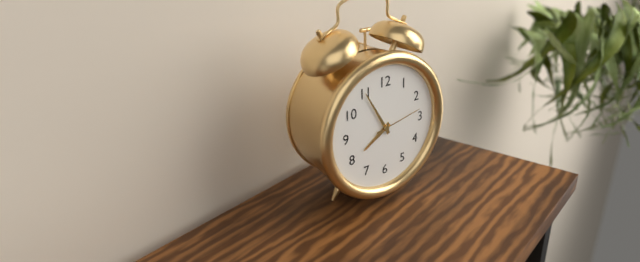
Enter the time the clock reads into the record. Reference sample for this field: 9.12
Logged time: 7.55
